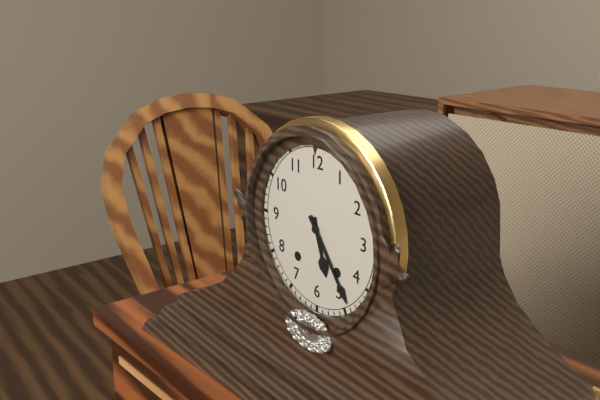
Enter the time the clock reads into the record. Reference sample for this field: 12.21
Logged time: 5.24
